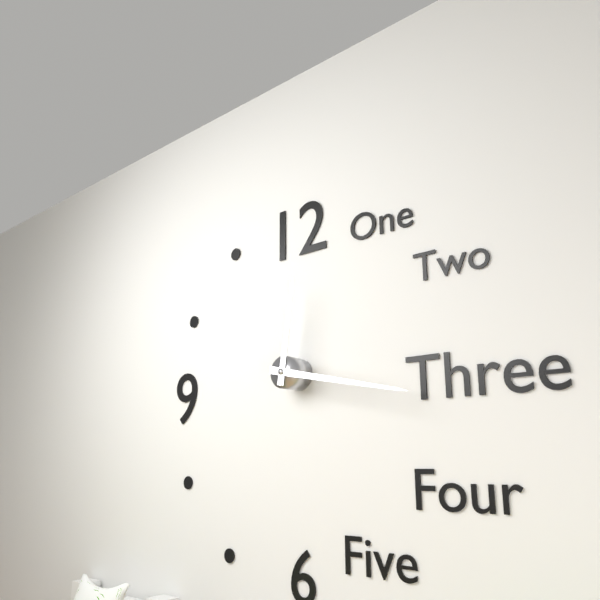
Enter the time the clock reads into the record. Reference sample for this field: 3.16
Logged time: 12.17
